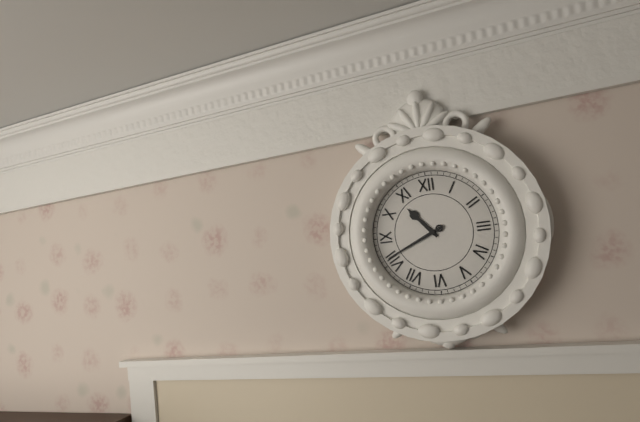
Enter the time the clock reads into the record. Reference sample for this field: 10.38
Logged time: 10.41
